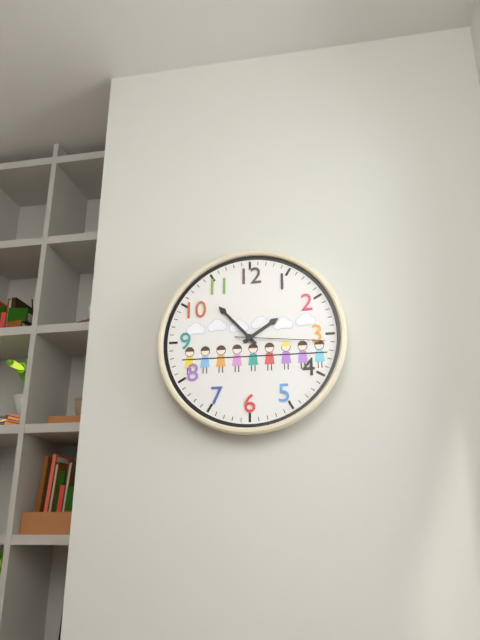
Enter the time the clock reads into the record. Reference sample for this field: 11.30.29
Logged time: 1.53.16
